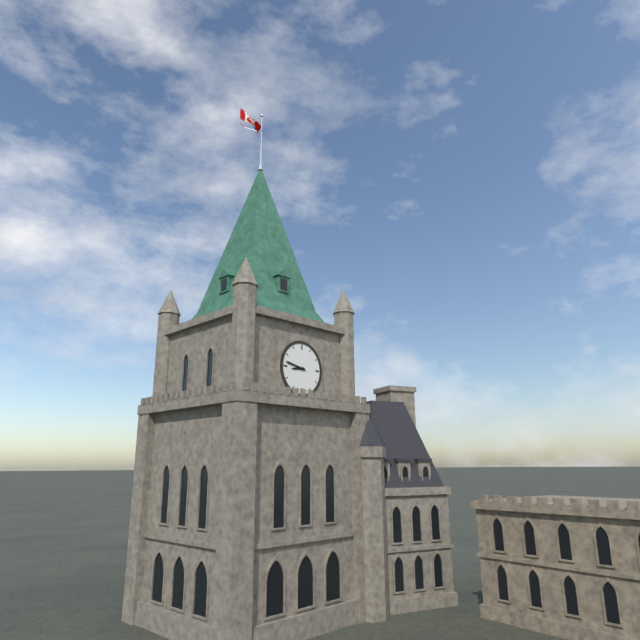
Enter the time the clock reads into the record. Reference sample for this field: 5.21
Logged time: 8.47
